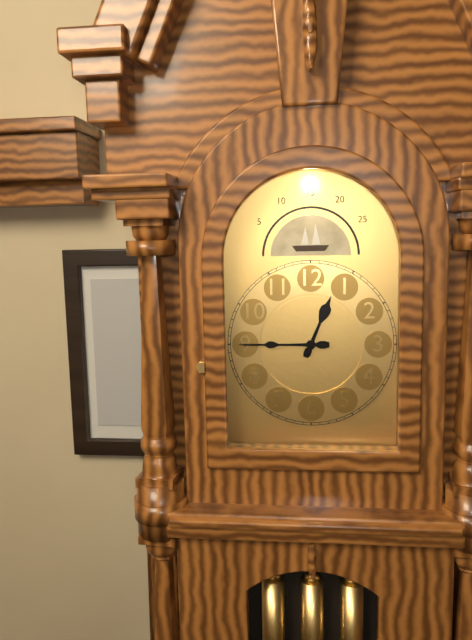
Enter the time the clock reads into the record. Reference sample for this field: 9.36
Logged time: 12.45
